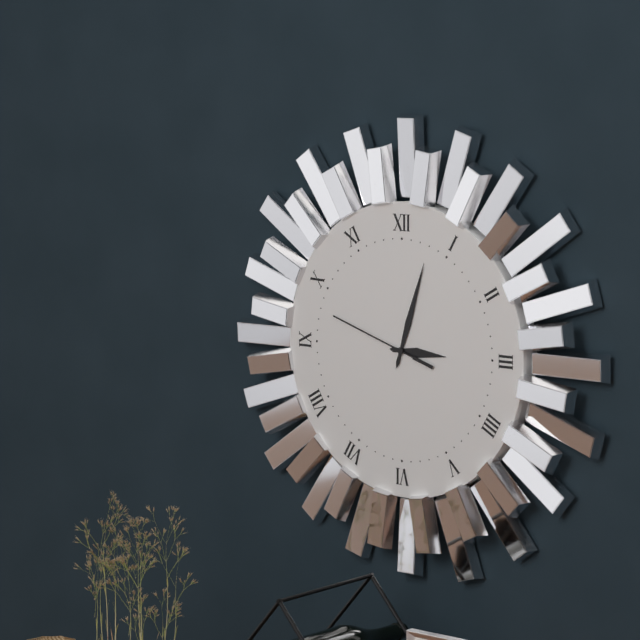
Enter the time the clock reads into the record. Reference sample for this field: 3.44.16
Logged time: 3.03.48
